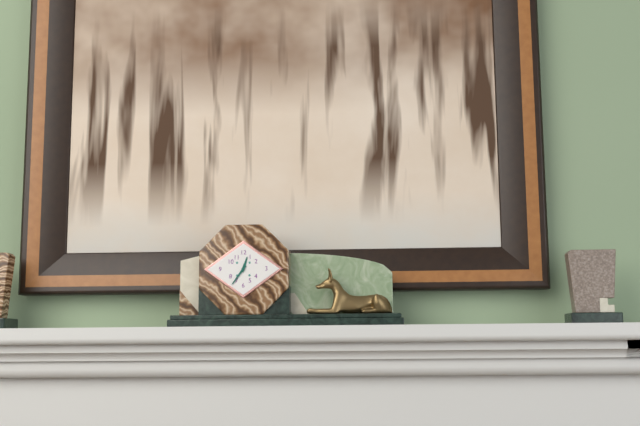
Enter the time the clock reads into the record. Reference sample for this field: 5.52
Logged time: 12.36
